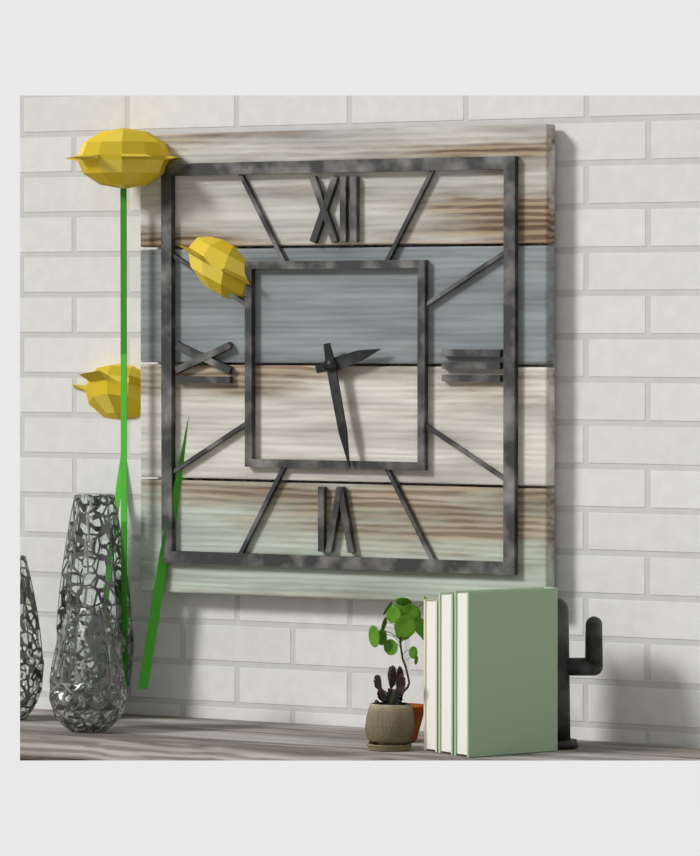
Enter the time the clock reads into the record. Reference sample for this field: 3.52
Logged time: 2.28
